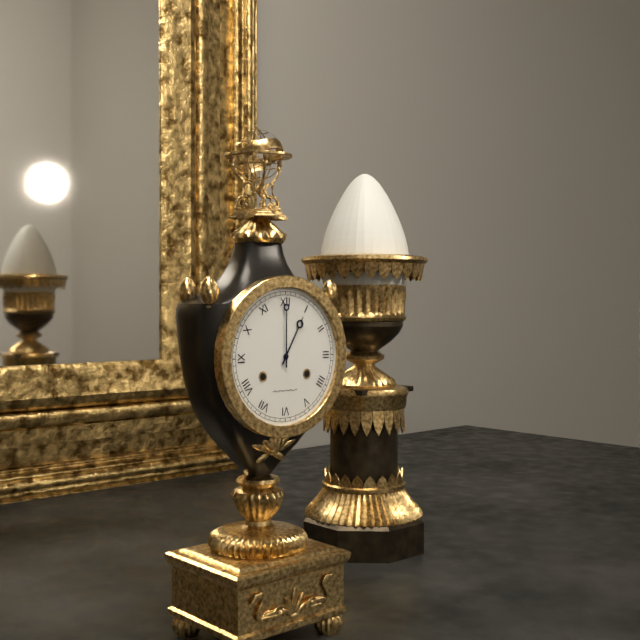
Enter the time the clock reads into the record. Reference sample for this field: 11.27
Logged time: 1.00
